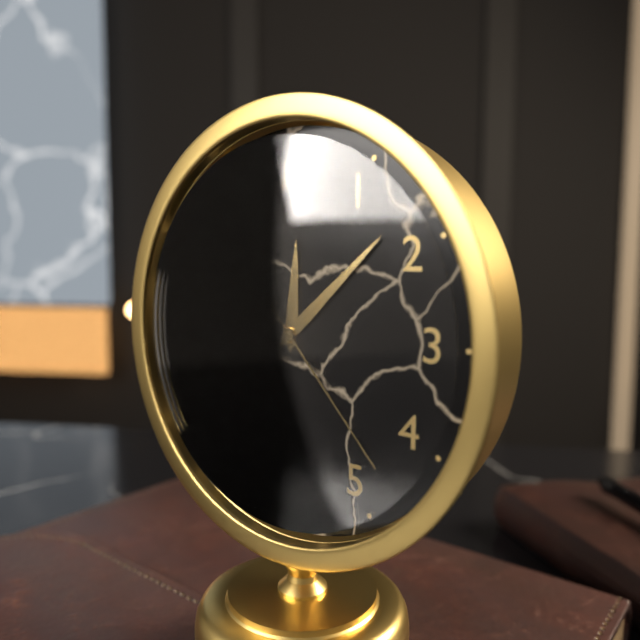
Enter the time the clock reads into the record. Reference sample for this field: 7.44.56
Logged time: 12.08.23
